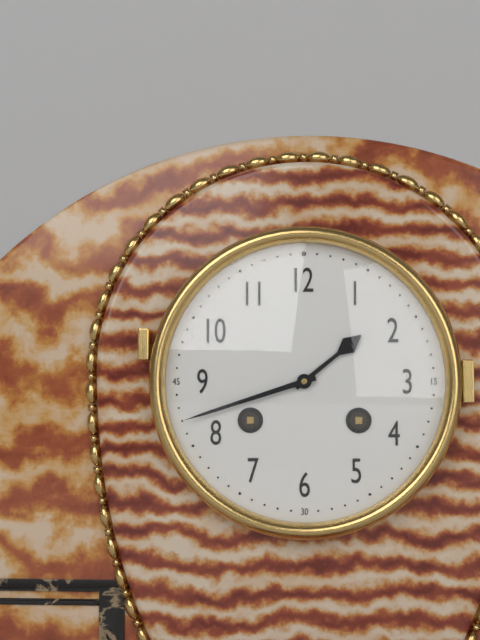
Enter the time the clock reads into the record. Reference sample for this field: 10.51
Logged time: 1.42
